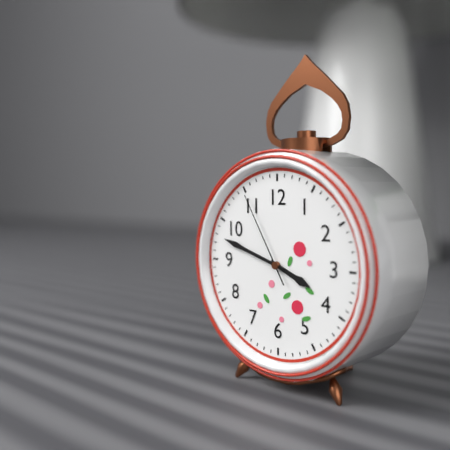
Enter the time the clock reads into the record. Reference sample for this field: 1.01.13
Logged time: 3.48.55
